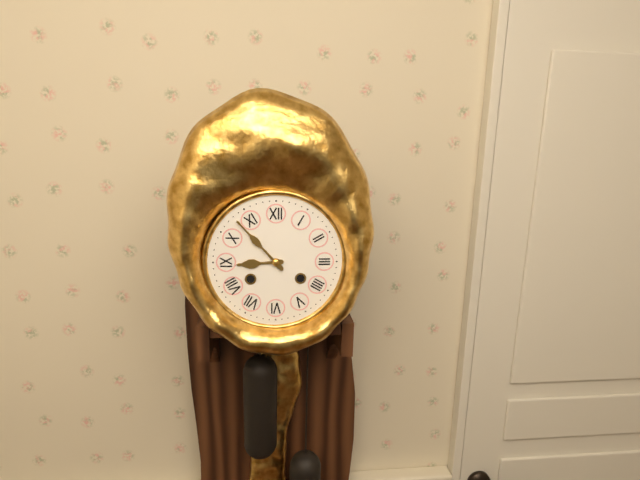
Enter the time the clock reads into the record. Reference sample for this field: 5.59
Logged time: 8.53
